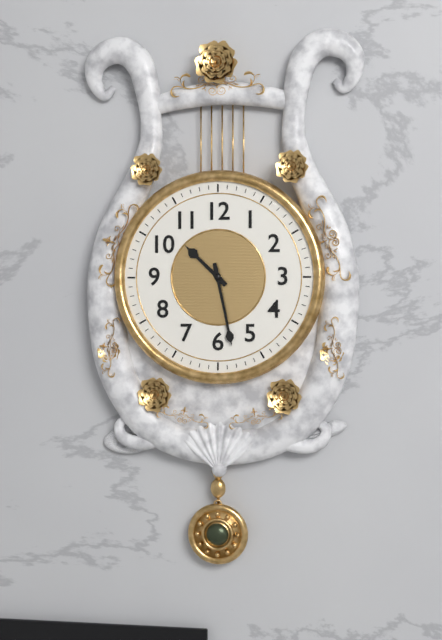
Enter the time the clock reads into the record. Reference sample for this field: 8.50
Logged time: 10.28
